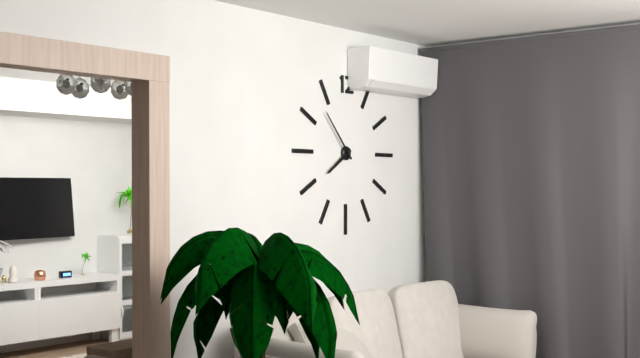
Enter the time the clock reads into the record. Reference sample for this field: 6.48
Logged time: 7.53
